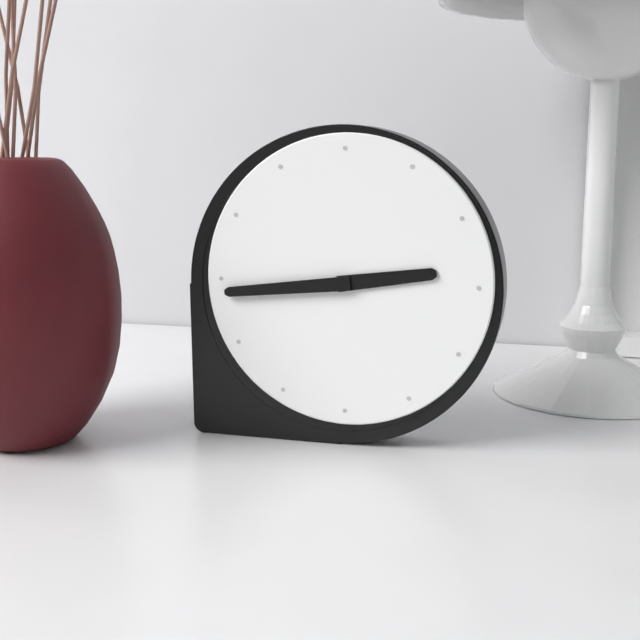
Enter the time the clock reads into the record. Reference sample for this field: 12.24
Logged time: 2.44
